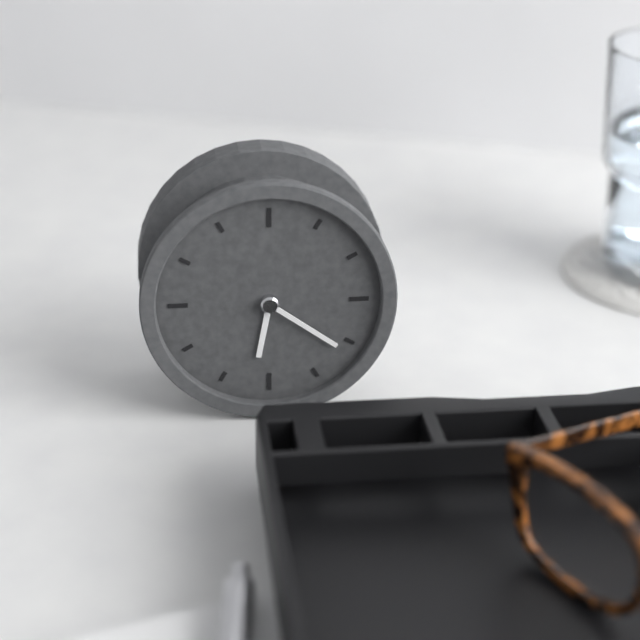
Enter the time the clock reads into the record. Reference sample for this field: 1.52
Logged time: 6.21
